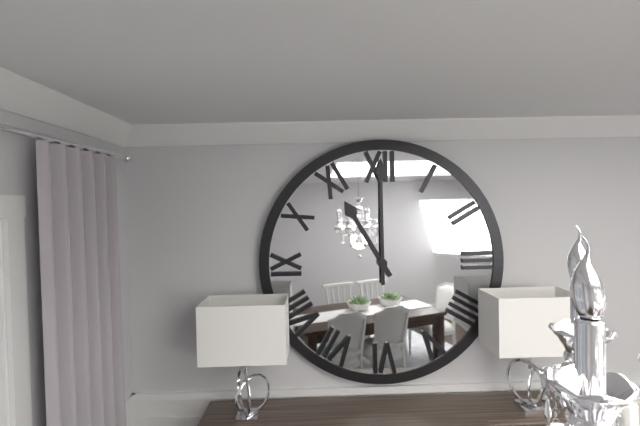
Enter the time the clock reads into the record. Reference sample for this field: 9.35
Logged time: 11.00
